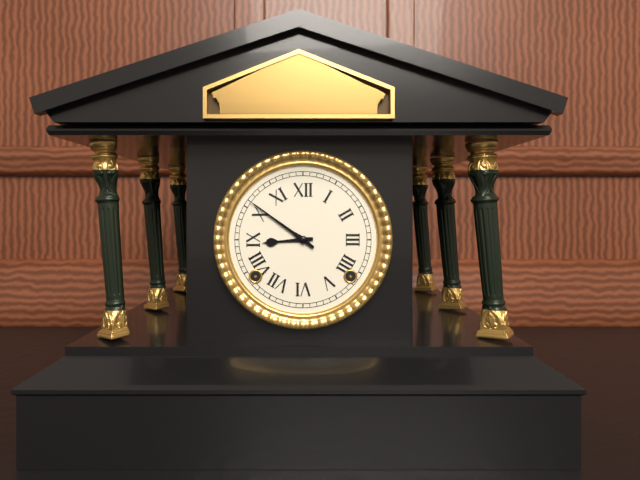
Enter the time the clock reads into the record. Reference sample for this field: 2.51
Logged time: 8.51
